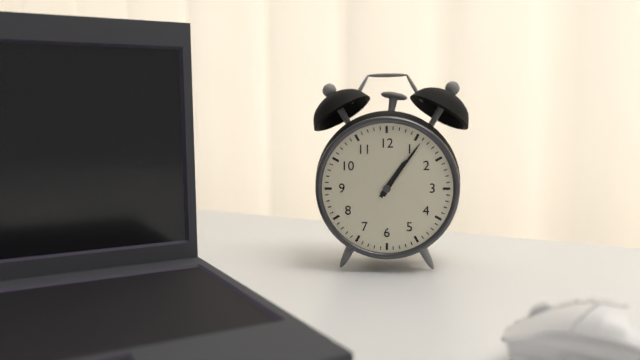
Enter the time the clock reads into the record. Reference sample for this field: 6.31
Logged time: 1.06
